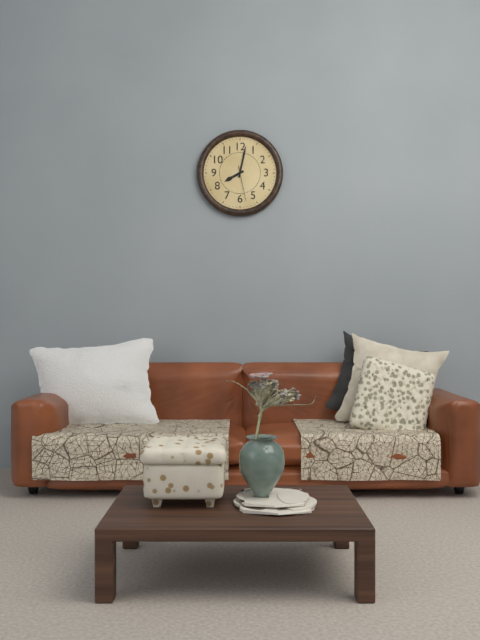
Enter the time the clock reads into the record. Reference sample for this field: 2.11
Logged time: 8.02
